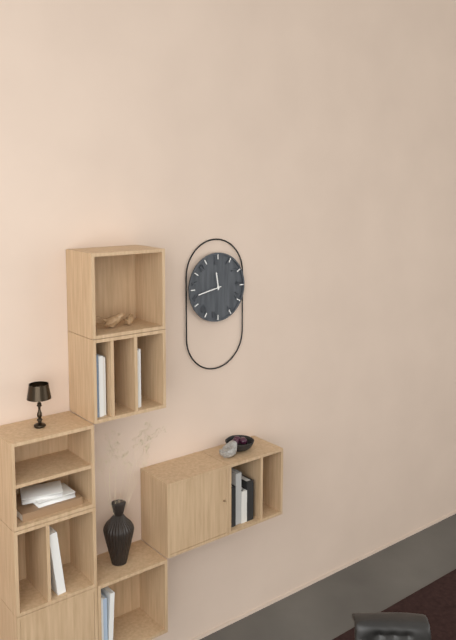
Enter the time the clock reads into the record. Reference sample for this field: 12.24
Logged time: 11.43
